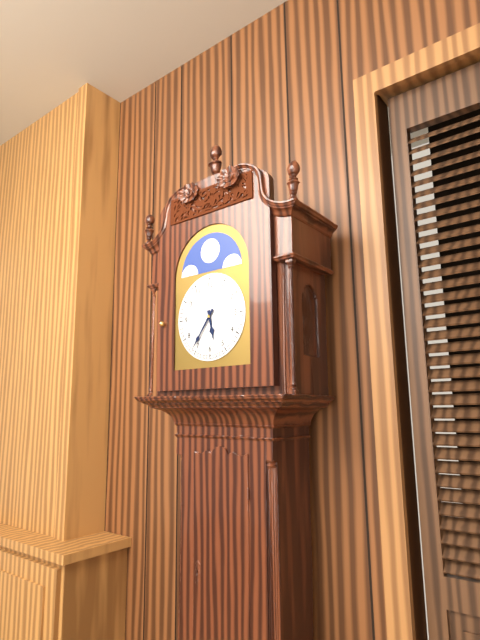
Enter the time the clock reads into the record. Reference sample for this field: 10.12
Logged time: 5.36
